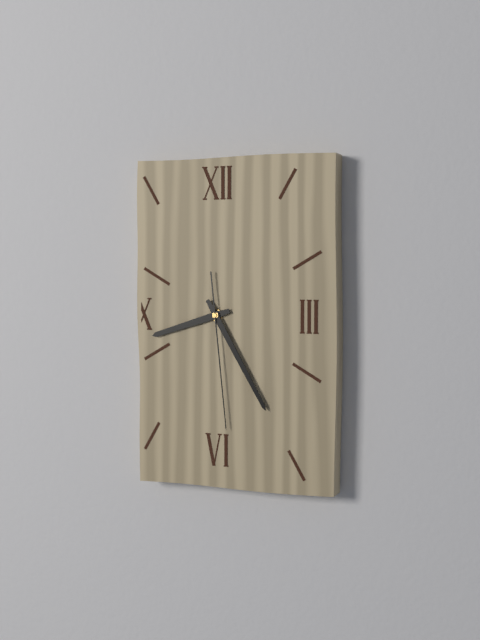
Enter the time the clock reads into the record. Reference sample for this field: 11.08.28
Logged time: 8.25.29
